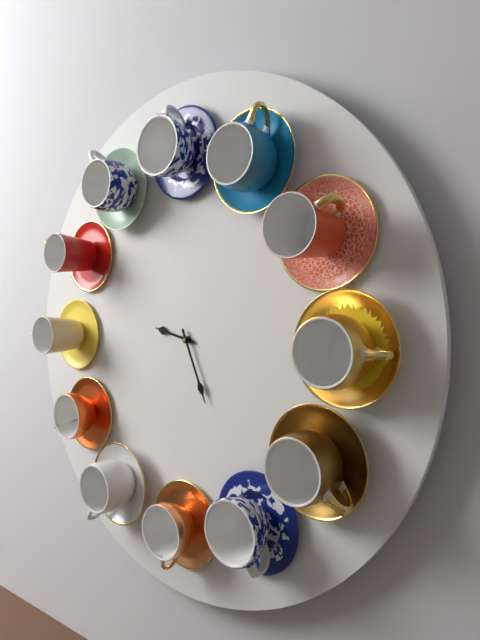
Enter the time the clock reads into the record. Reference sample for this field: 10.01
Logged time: 9.26
